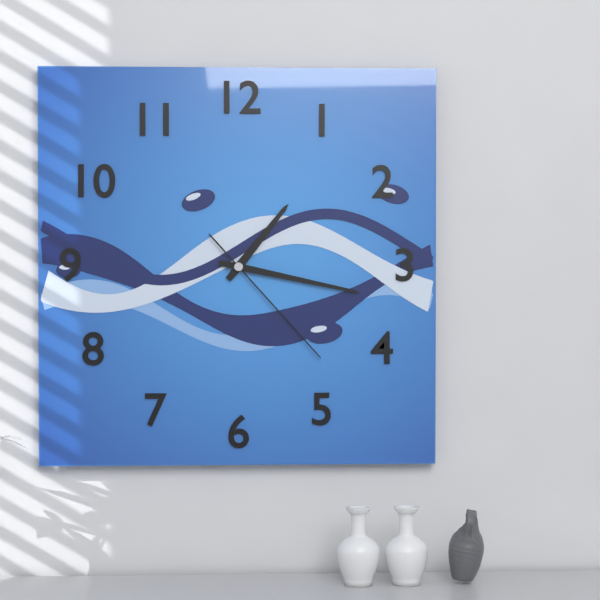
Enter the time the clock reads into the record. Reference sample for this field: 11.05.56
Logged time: 1.17.23
